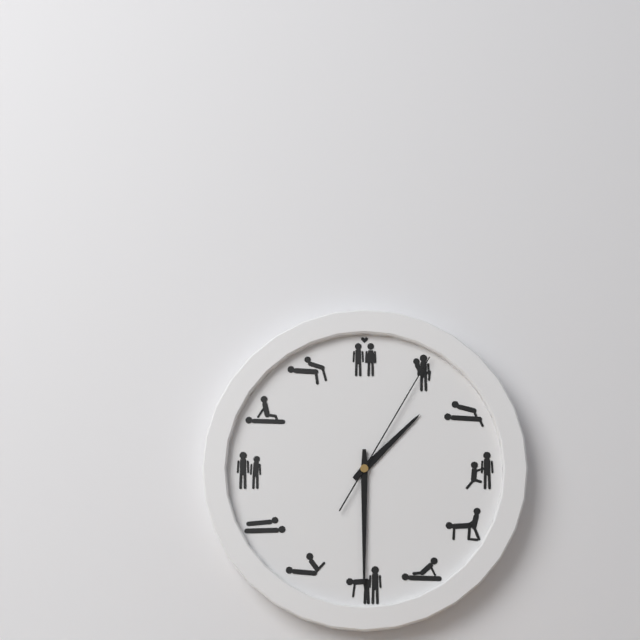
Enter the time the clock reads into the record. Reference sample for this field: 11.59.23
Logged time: 1.30.05
